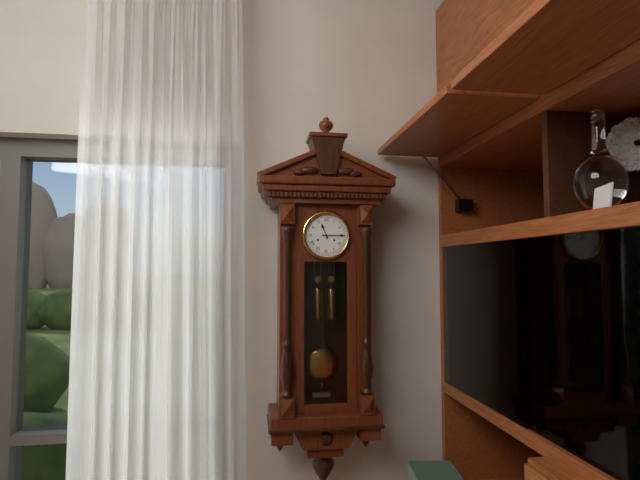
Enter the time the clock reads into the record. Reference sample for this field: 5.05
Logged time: 11.15
